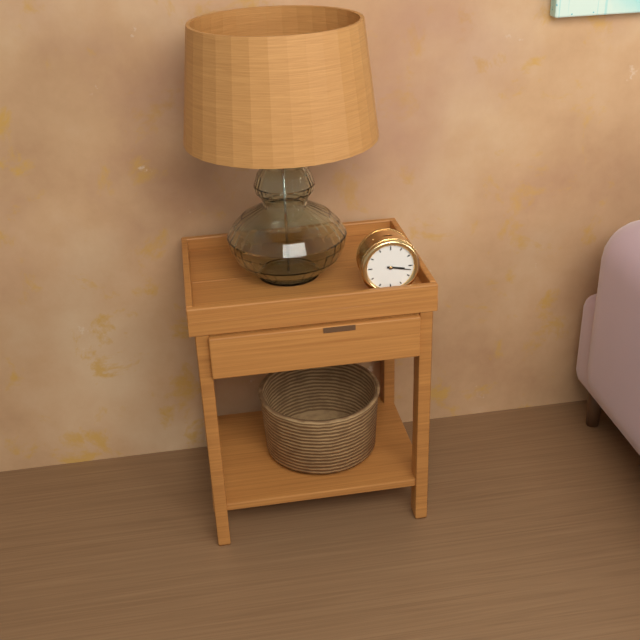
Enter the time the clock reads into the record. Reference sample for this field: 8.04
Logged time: 3.17
